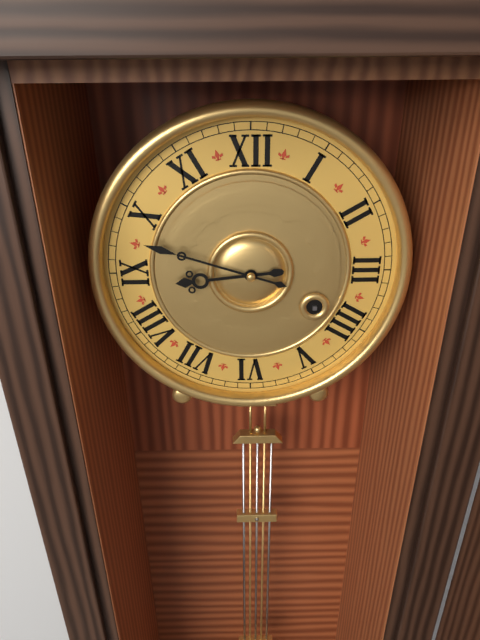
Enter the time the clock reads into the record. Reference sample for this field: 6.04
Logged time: 8.48
